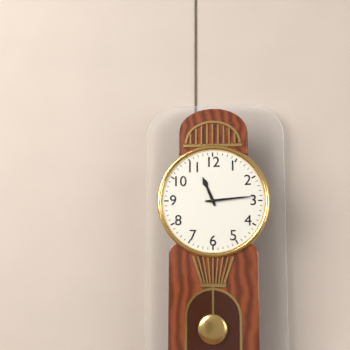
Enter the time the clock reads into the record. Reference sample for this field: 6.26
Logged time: 11.14
